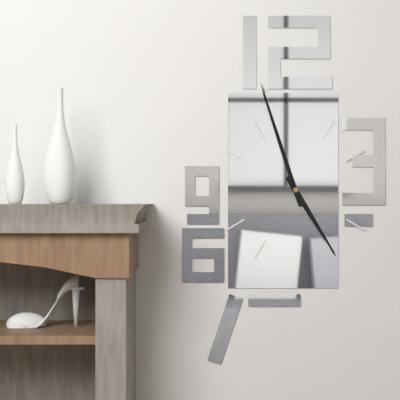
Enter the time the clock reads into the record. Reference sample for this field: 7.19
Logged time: 4.57
